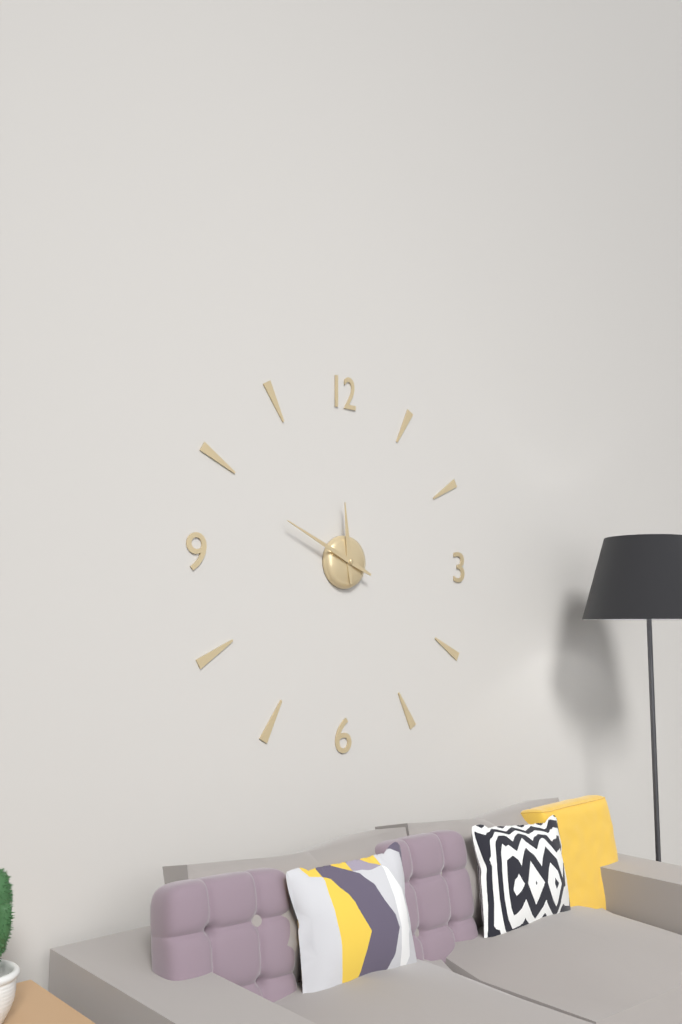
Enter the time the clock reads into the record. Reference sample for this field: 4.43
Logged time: 11.49
